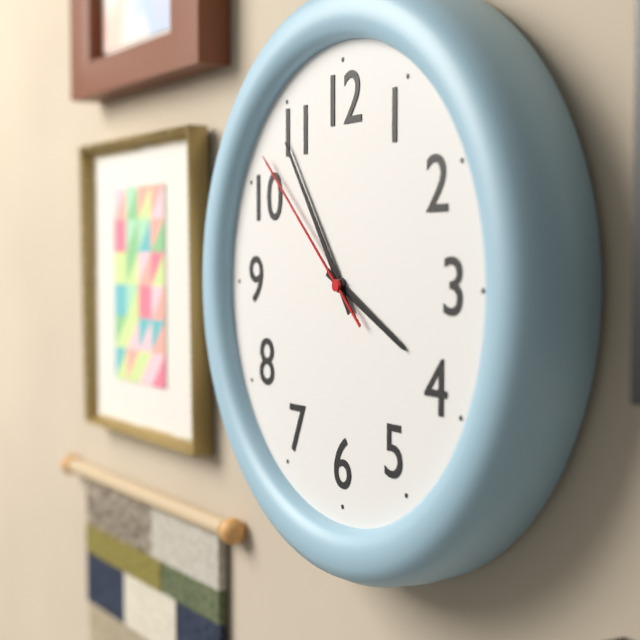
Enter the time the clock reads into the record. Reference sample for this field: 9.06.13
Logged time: 3.54.52
